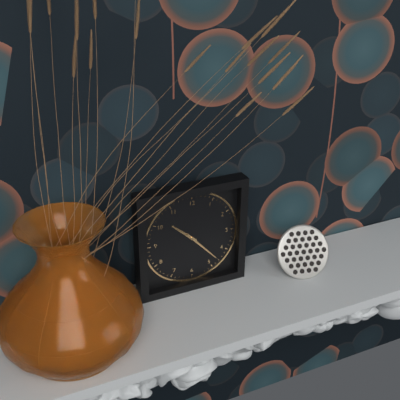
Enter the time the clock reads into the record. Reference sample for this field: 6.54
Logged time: 10.23
